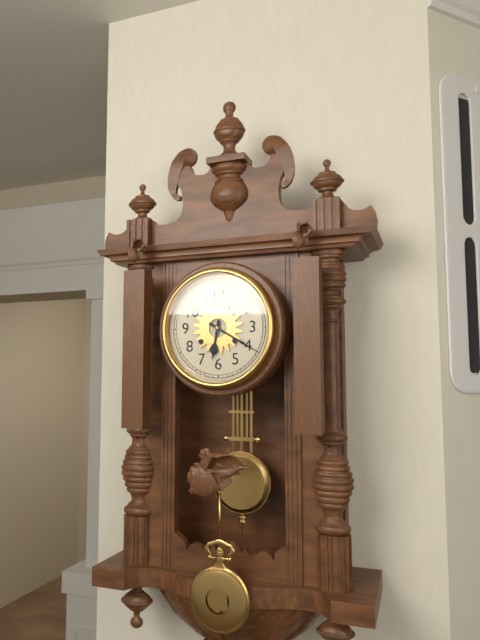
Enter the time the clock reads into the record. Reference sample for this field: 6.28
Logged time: 6.20
